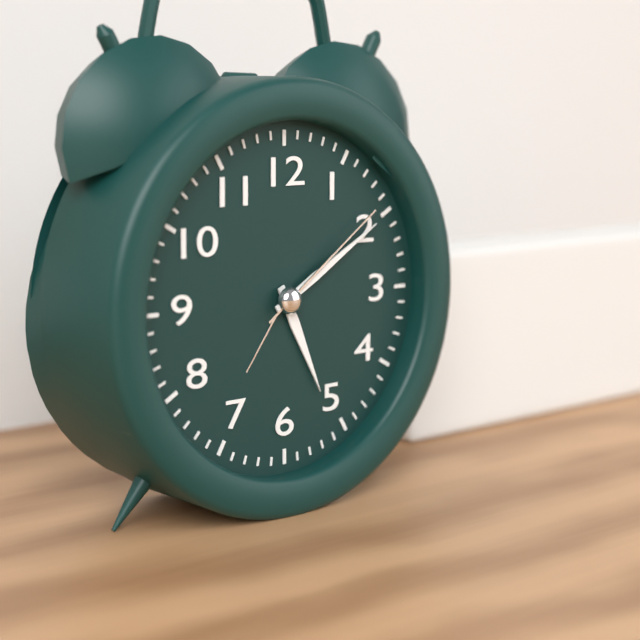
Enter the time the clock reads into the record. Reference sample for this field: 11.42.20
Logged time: 5.10.09
